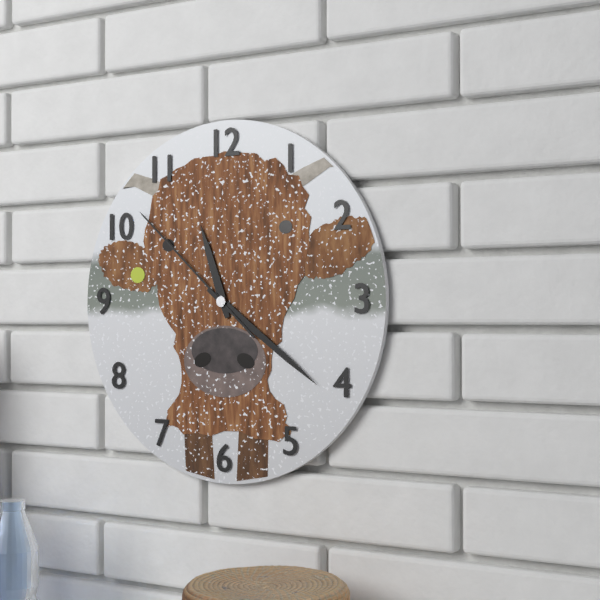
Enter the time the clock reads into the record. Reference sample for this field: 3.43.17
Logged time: 11.21.52
